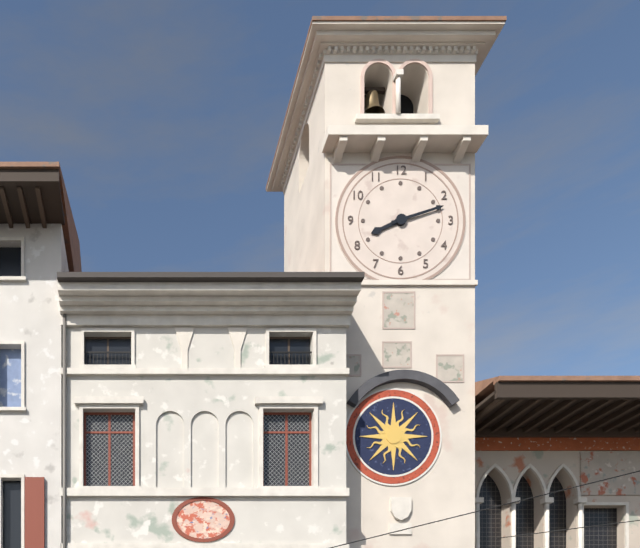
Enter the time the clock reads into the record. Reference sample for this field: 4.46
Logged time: 8.12
